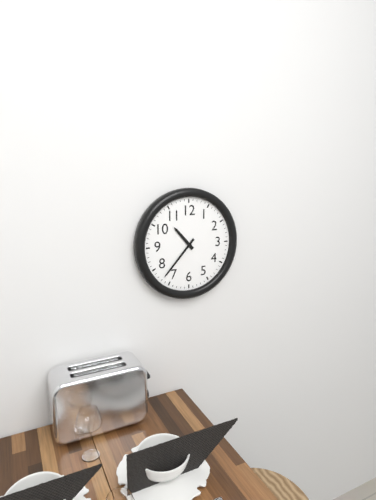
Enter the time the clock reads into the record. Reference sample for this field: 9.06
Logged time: 10.37
